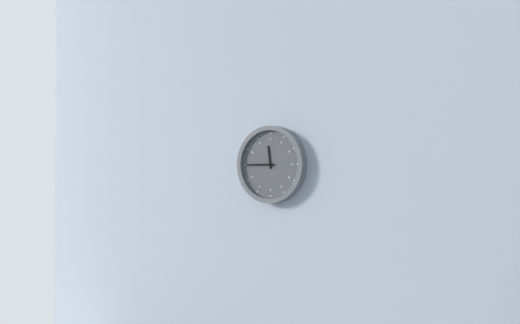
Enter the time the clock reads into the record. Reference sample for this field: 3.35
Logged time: 11.45
